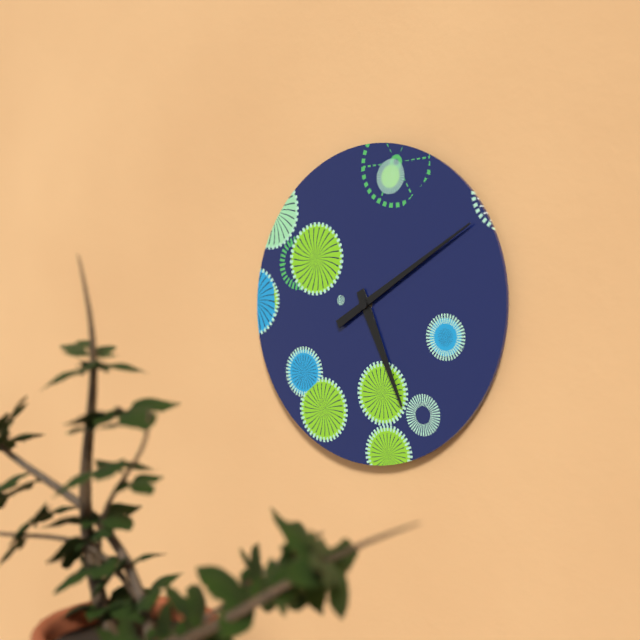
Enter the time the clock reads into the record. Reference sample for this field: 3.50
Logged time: 5.10
